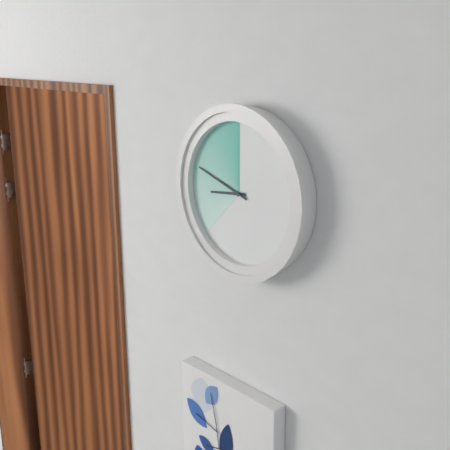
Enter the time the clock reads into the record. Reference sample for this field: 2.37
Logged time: 8.48
